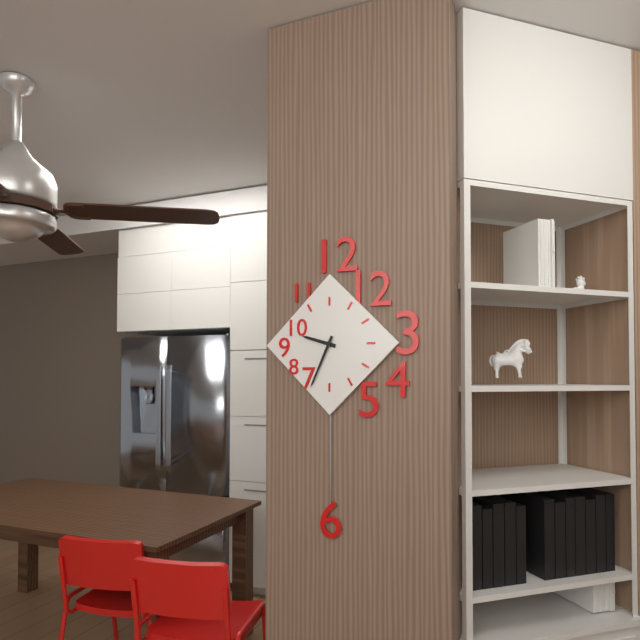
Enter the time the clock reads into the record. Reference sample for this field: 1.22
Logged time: 9.34
